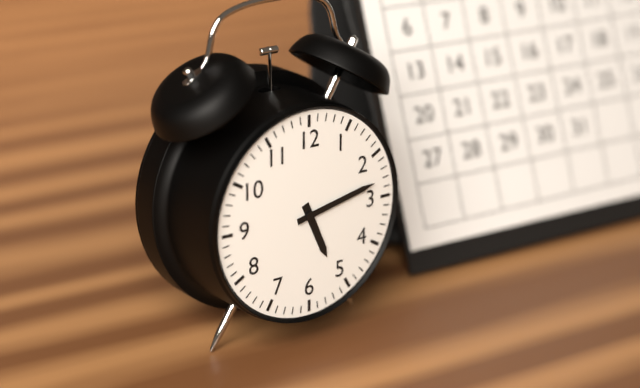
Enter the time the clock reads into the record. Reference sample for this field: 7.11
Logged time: 5.13
